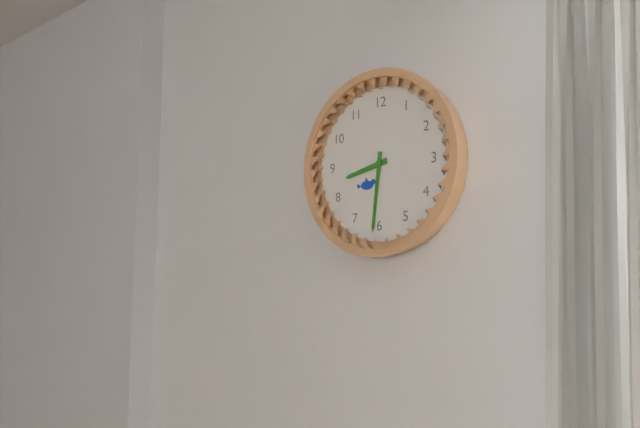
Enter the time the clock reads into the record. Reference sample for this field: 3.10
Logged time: 8.31
